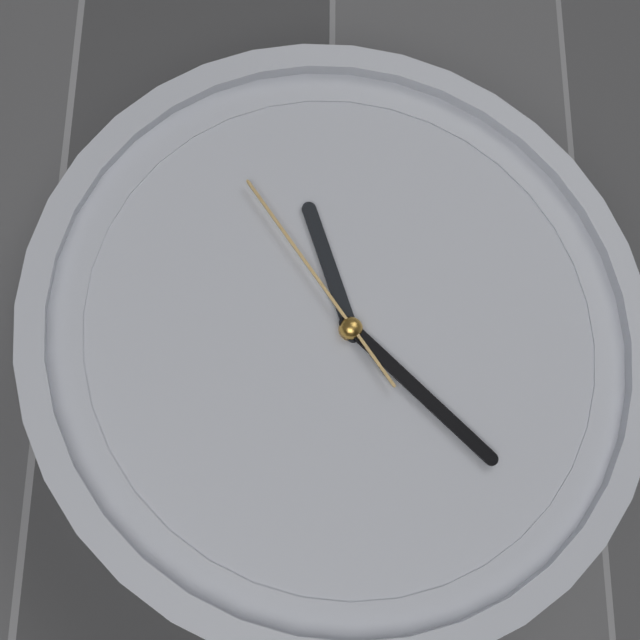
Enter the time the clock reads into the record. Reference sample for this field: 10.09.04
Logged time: 11.22.54
